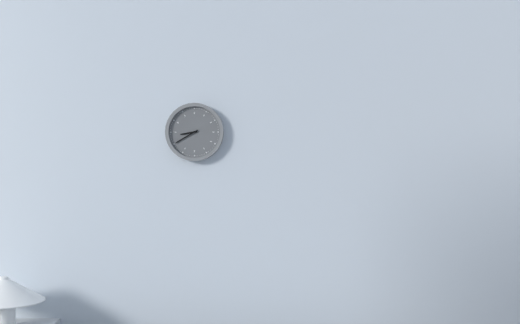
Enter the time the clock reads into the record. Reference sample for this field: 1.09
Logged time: 8.40
